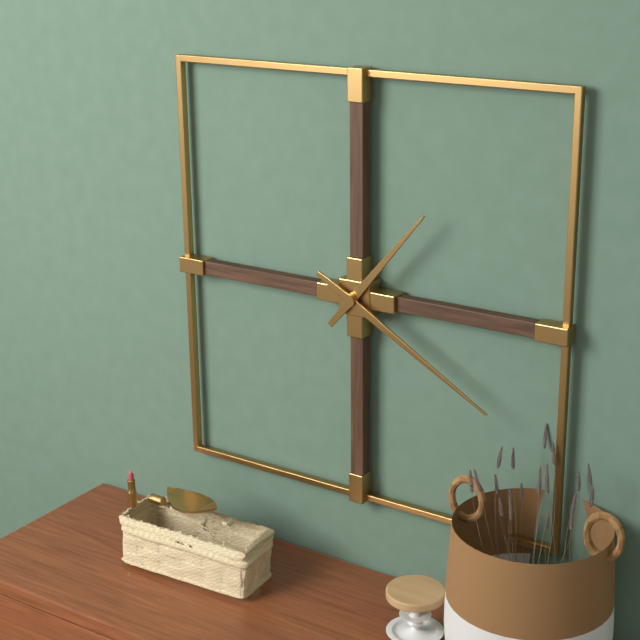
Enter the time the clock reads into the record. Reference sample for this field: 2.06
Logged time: 1.20
